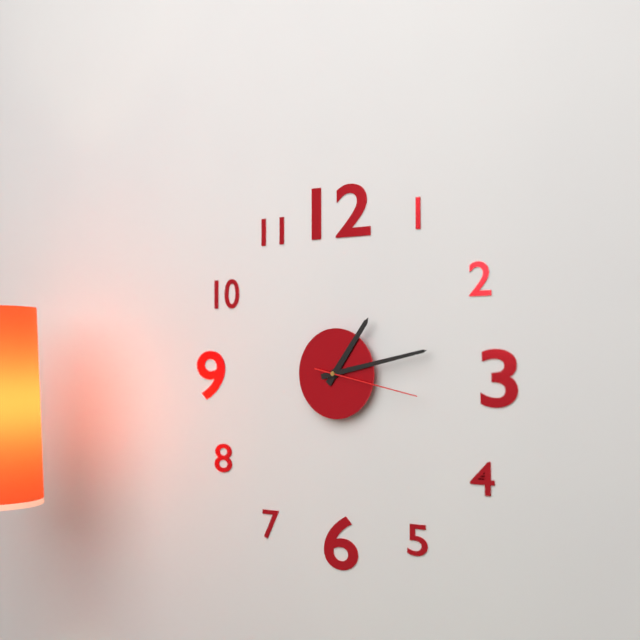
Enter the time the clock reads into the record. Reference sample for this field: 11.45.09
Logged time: 1.13.17
